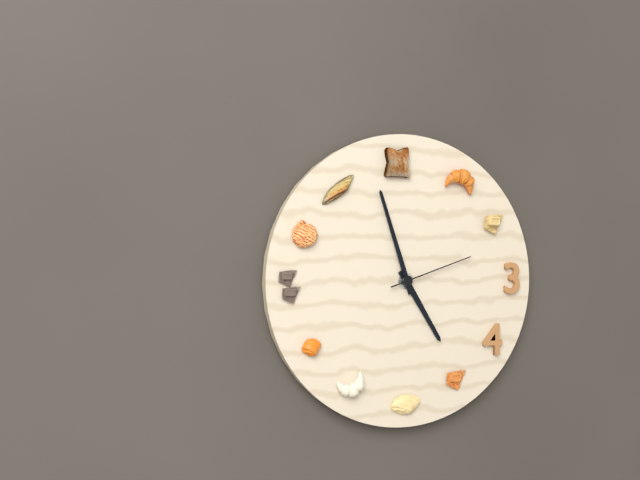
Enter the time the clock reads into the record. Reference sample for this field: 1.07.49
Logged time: 4.57.12
